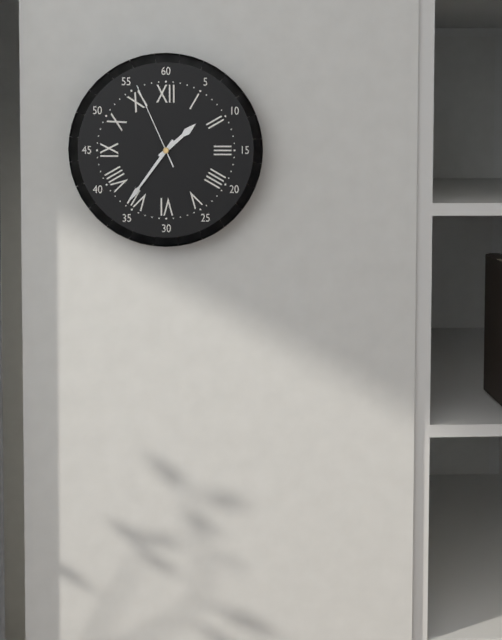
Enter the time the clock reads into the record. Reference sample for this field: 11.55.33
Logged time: 1.36.56
